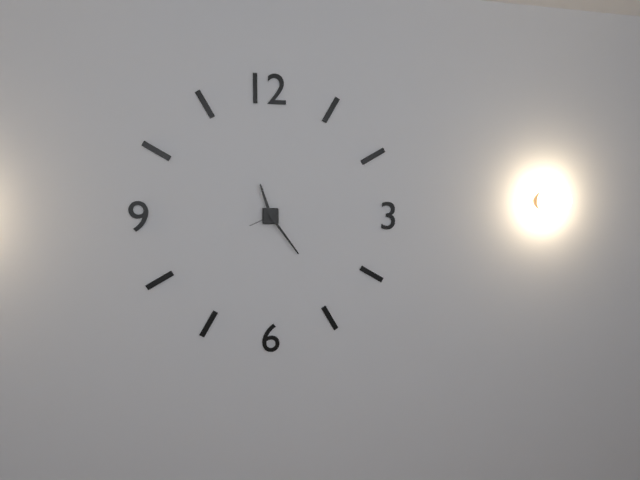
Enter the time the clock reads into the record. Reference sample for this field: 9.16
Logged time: 11.24
